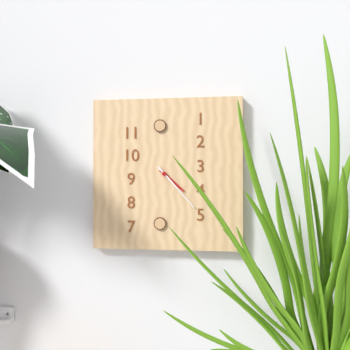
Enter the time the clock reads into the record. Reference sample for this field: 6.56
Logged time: 4.23
